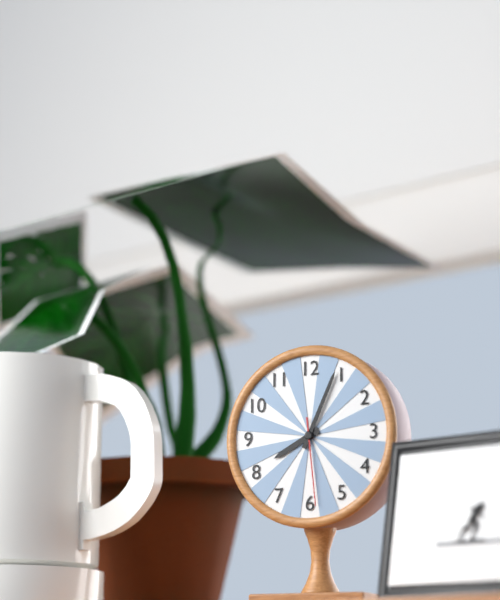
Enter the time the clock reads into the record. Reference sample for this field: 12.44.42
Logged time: 8.04.29
